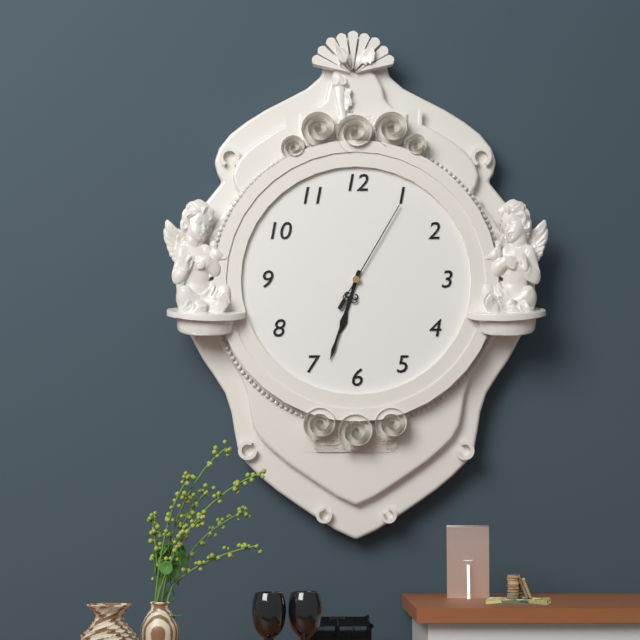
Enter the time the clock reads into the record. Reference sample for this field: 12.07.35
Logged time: 6.33.05
